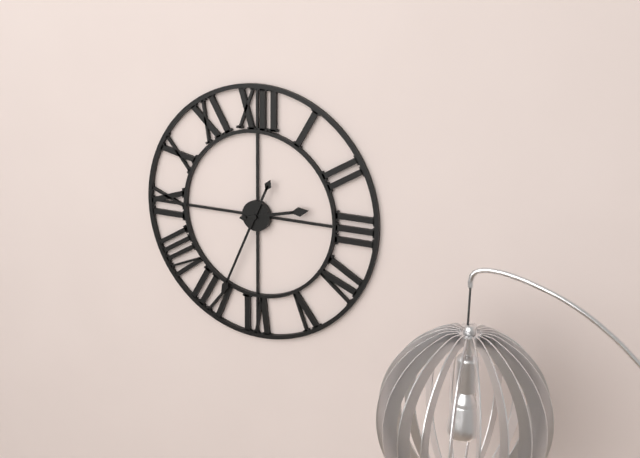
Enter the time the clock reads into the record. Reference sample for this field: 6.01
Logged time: 2.34
